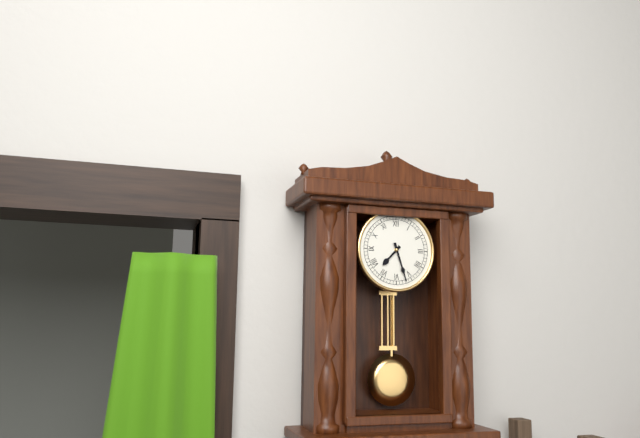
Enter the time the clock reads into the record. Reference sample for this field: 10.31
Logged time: 7.27
